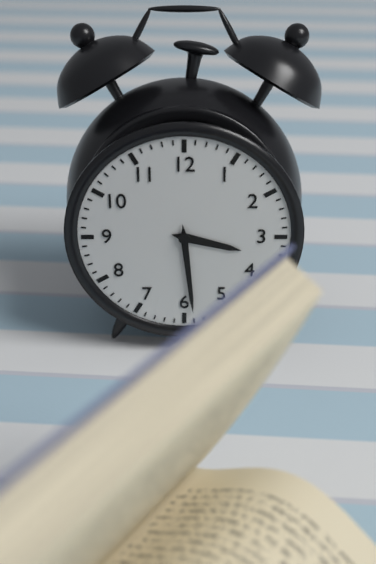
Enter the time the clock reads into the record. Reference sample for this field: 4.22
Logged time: 3.29
